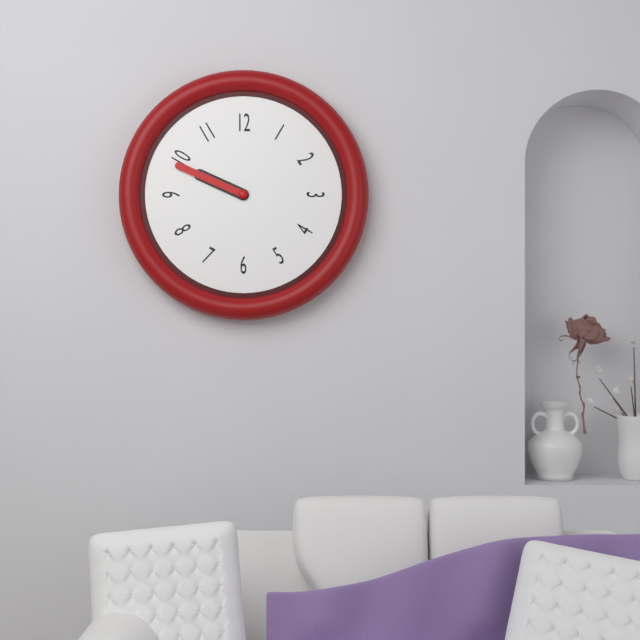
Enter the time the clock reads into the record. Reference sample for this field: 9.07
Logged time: 9.49
